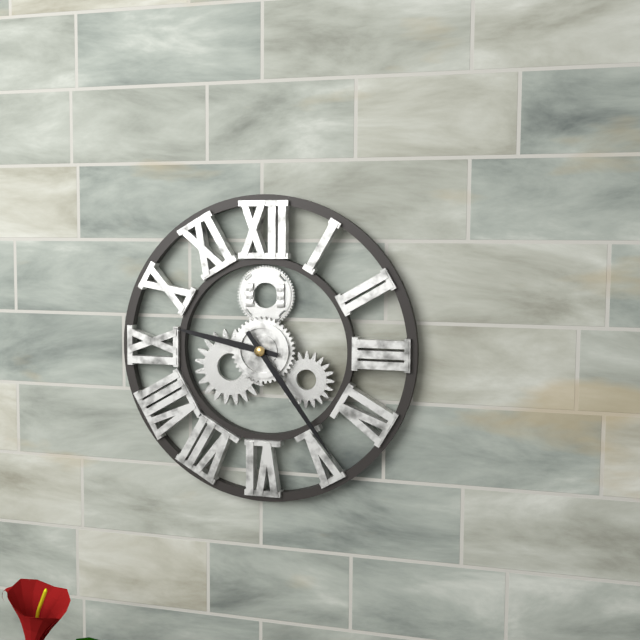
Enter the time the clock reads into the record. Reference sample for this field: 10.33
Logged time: 9.24
